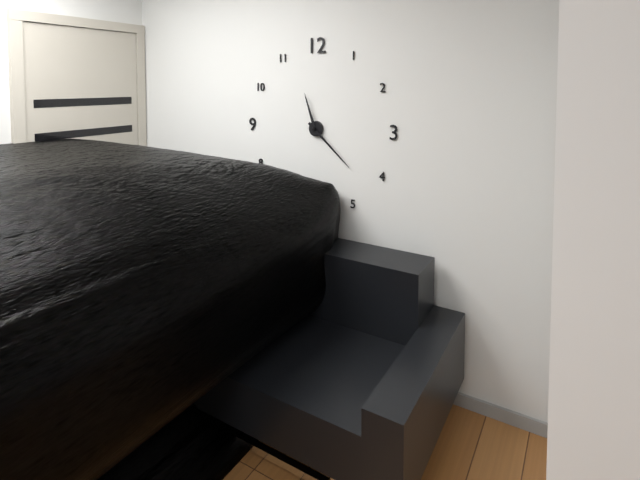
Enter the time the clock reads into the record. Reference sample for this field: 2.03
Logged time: 11.22
